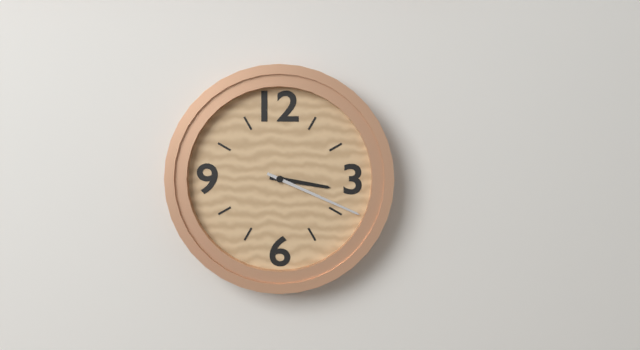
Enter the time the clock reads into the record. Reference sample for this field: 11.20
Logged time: 3.19
